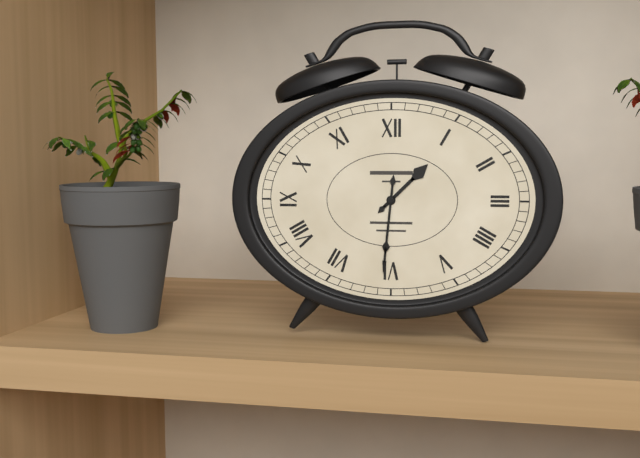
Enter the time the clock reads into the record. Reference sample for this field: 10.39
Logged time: 1.31
